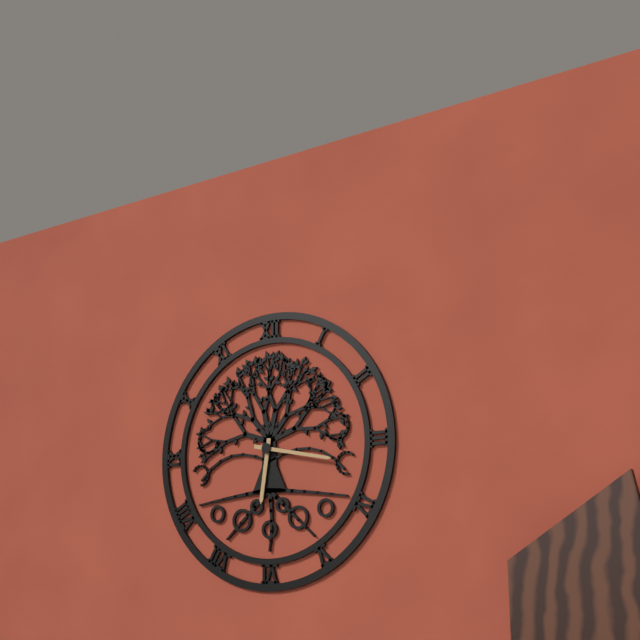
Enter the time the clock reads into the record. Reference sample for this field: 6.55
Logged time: 6.17
